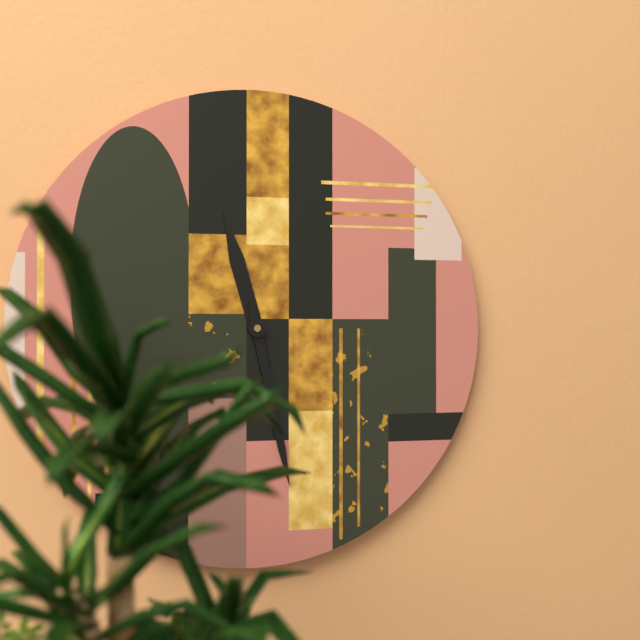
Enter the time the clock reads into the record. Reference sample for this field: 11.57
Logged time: 11.28
